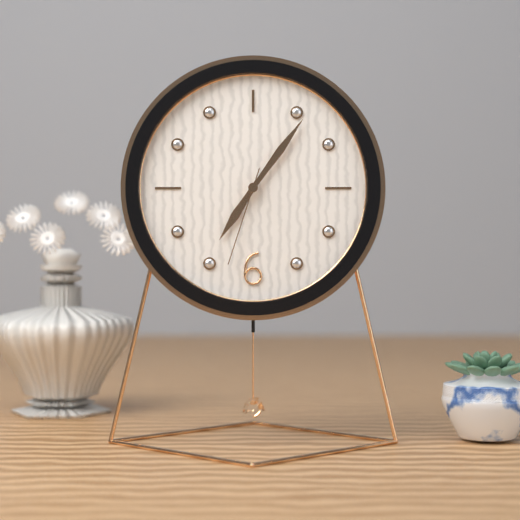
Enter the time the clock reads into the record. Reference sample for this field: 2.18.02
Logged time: 7.06.33
